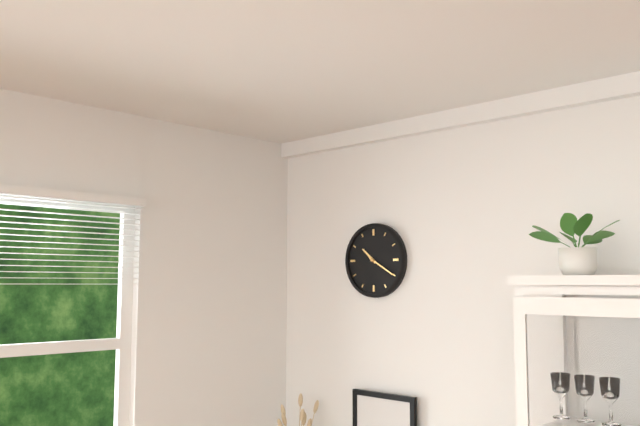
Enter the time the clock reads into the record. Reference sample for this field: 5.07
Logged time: 10.20
